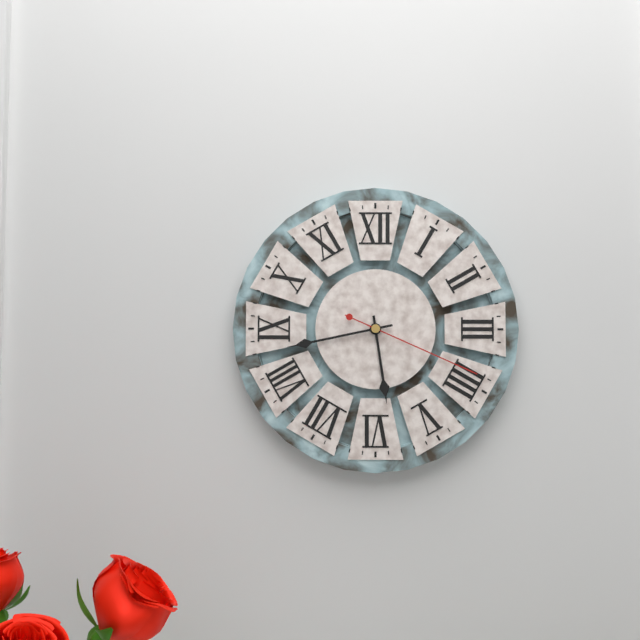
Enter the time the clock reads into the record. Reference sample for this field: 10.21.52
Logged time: 5.43.19
